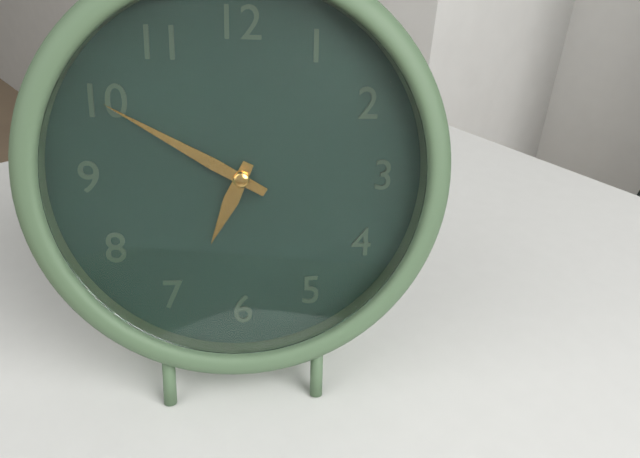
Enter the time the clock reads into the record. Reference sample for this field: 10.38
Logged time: 6.50
